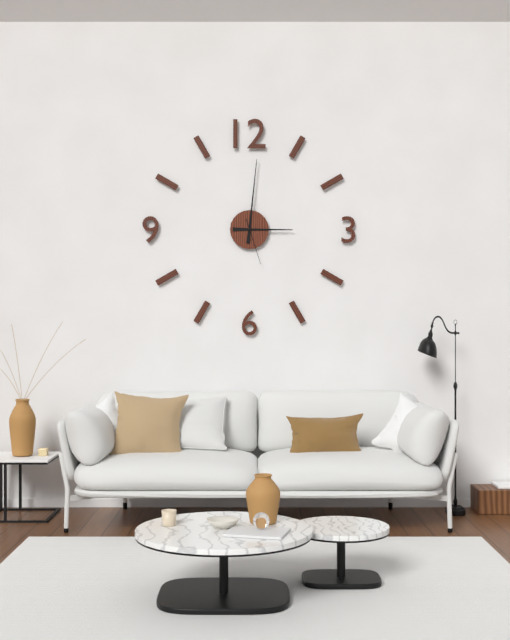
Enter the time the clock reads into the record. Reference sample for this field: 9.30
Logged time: 3.01
